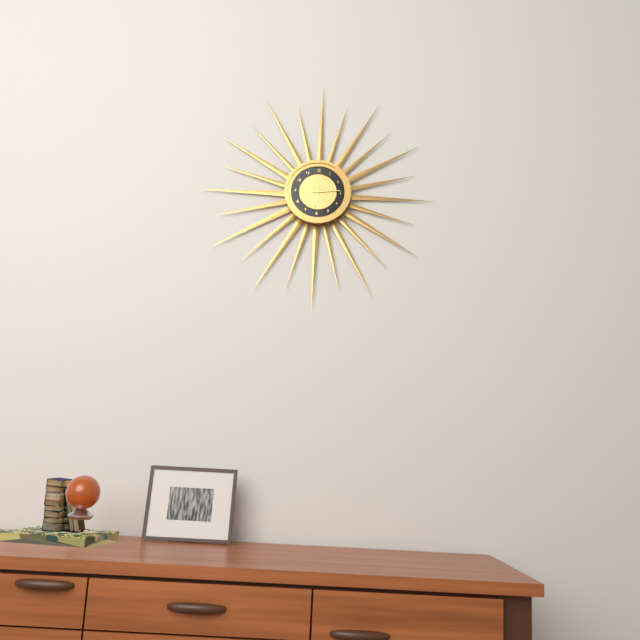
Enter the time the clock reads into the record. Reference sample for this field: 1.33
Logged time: 6.14
